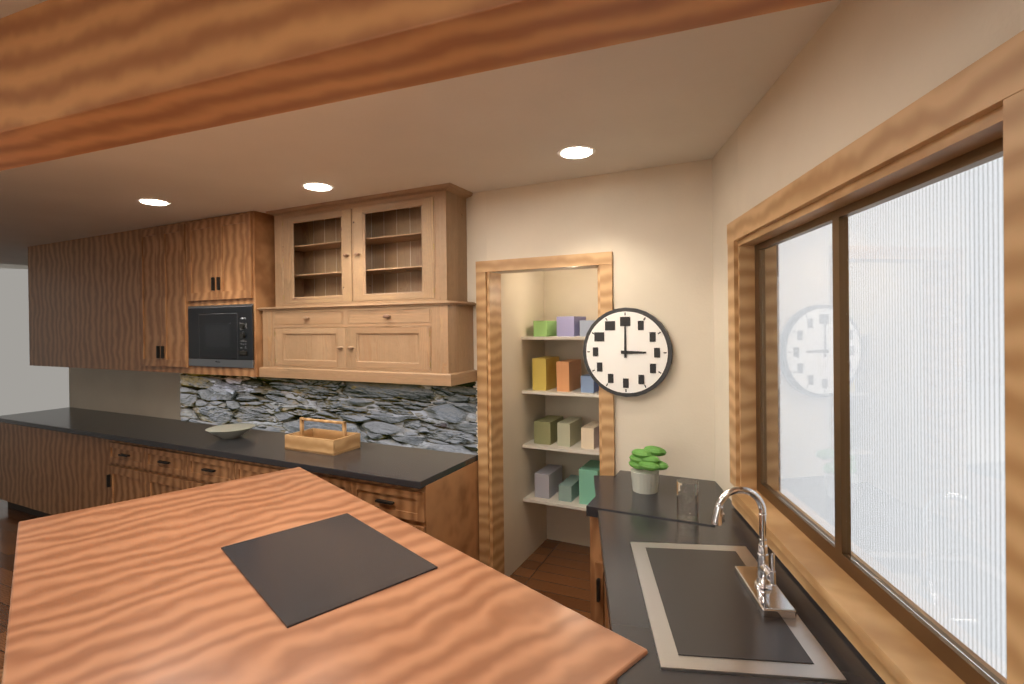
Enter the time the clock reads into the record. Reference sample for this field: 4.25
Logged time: 3.00
